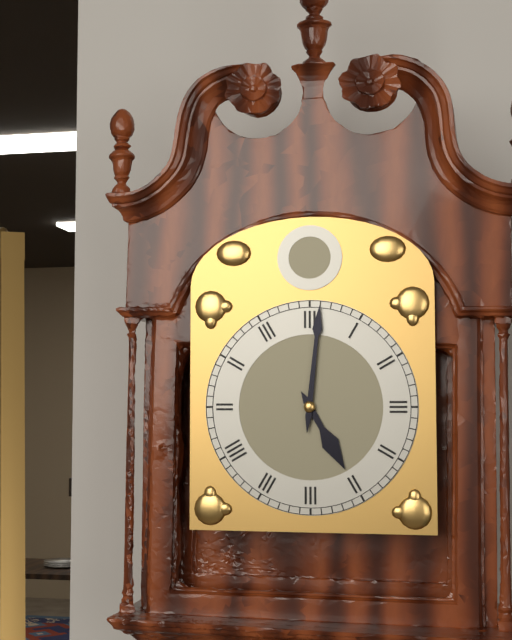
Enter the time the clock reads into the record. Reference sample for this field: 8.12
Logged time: 5.01
